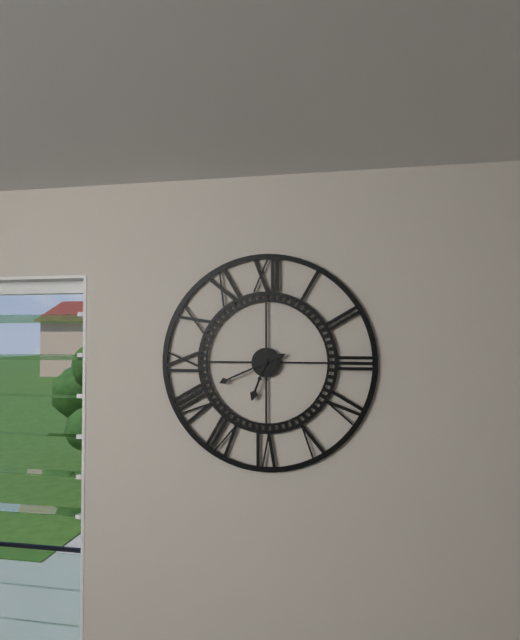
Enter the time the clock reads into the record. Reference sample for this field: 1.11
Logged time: 6.41
